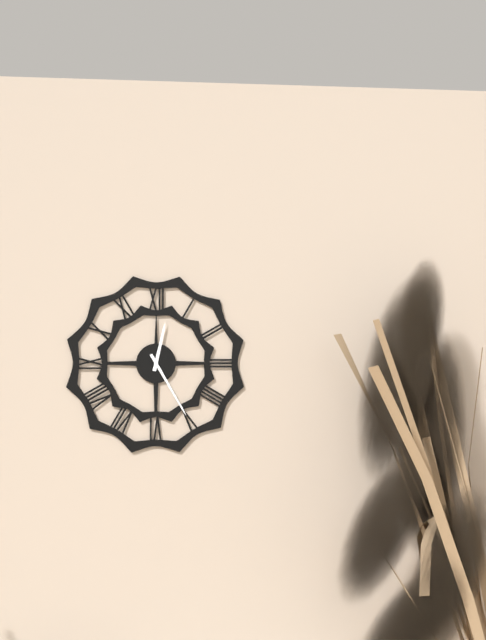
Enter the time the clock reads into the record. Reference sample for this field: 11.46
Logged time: 12.25
